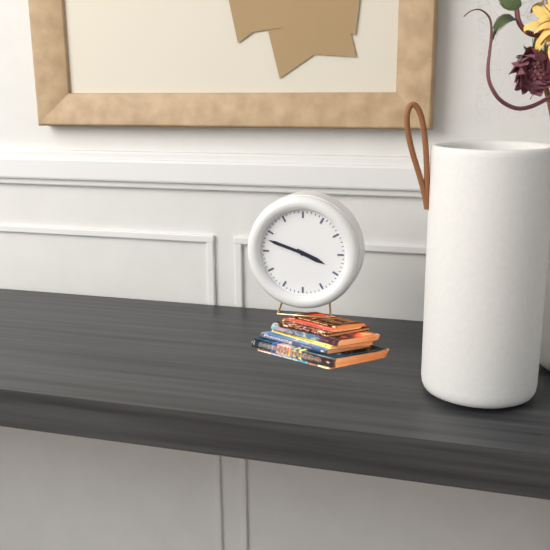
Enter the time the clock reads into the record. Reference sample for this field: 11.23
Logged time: 3.48
